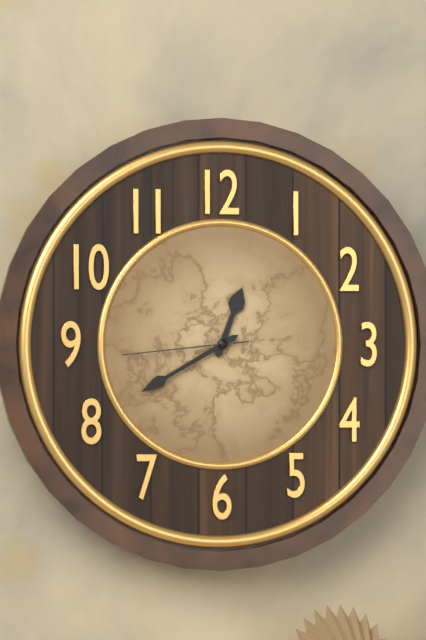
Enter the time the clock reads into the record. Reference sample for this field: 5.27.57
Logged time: 12.40.44
